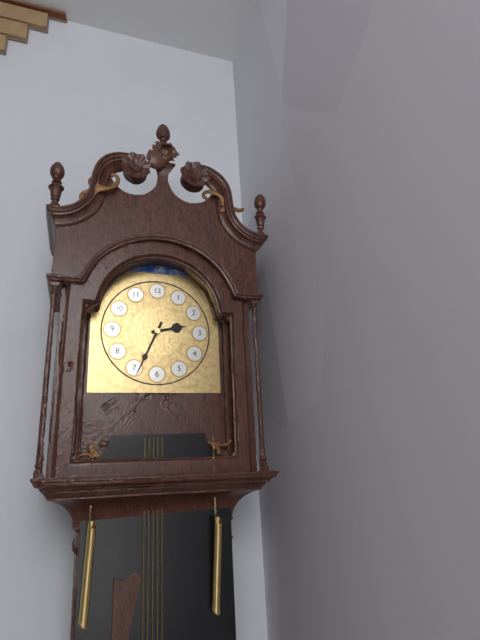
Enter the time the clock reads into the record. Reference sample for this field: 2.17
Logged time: 2.34
